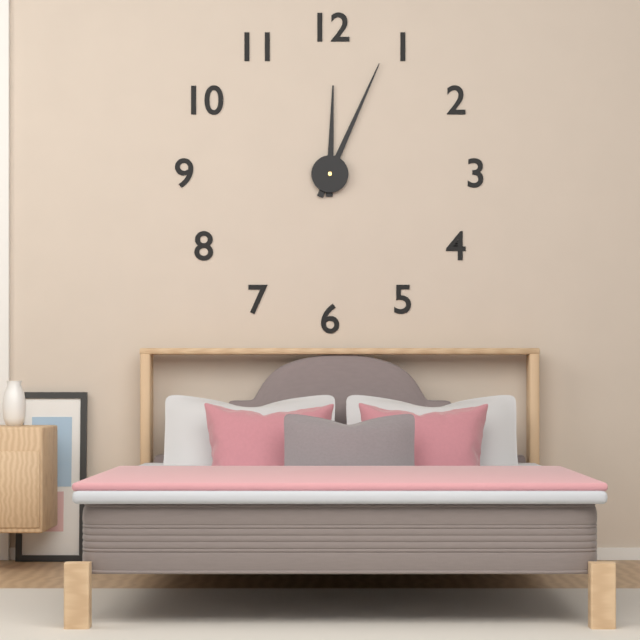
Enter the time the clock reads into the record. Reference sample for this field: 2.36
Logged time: 12.04
